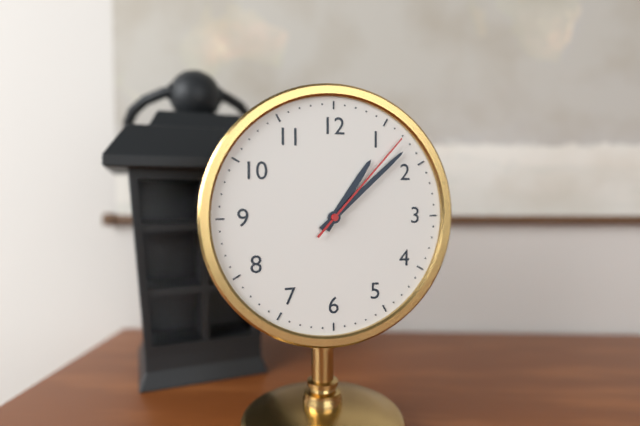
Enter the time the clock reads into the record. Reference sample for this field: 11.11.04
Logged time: 1.08.07
